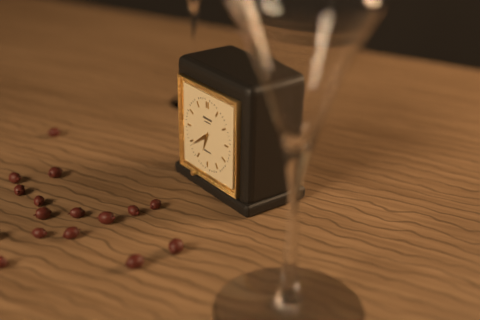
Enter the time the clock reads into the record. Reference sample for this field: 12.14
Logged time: 6.39
